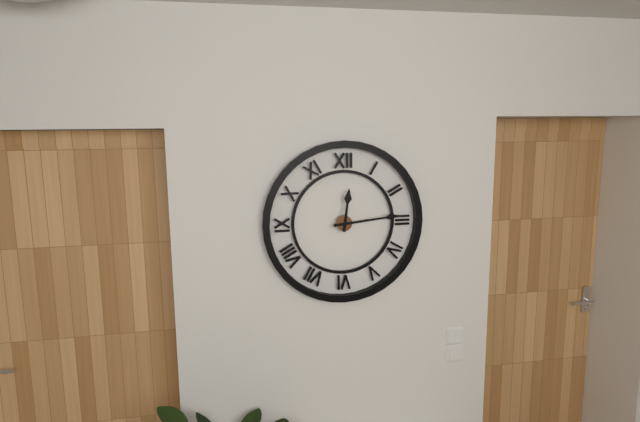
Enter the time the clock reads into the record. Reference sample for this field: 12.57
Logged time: 12.14
